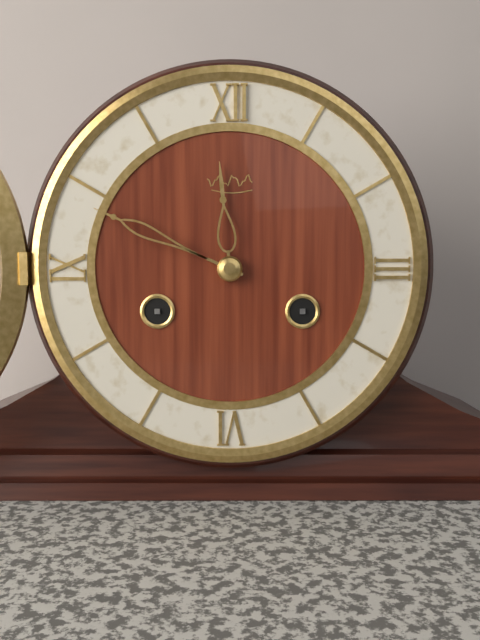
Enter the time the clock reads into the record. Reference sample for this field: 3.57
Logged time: 11.49
